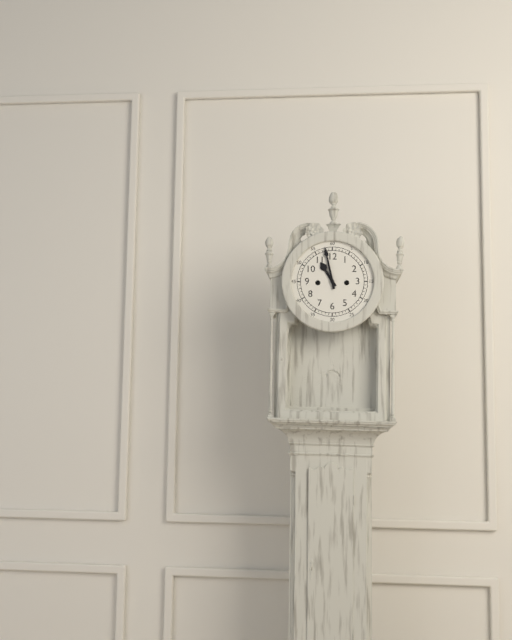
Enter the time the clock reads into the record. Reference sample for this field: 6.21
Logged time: 10.58
